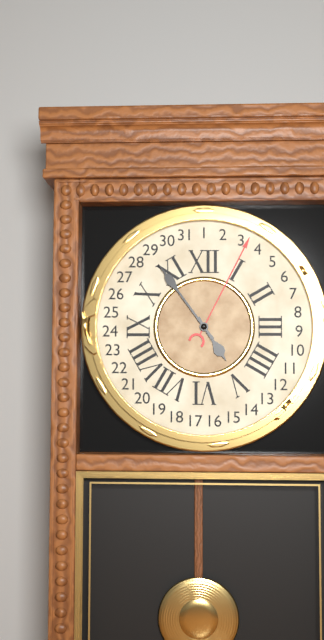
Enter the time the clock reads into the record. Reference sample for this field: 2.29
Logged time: 4.54
